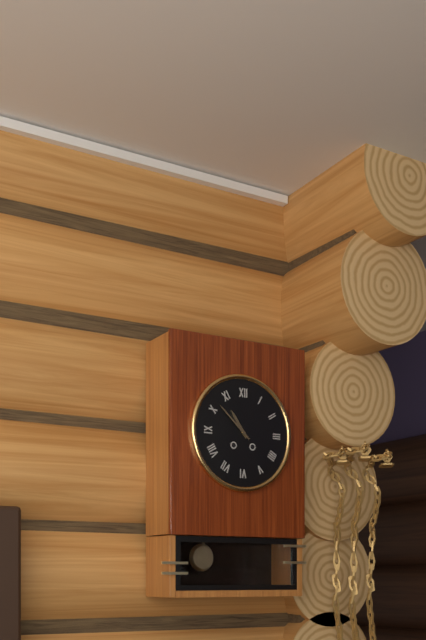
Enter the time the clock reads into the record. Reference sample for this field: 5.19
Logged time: 10.52
